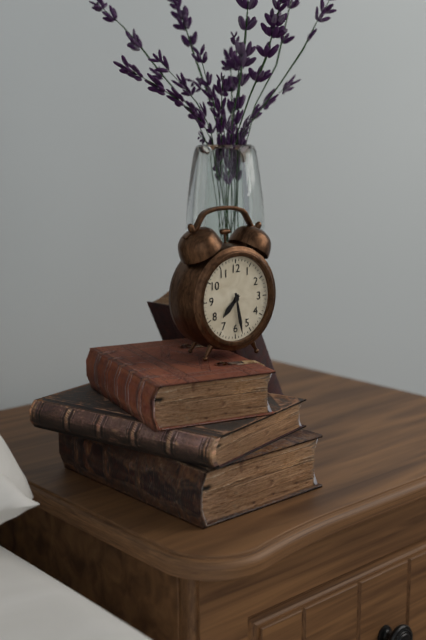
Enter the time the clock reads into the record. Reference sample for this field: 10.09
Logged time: 7.28
